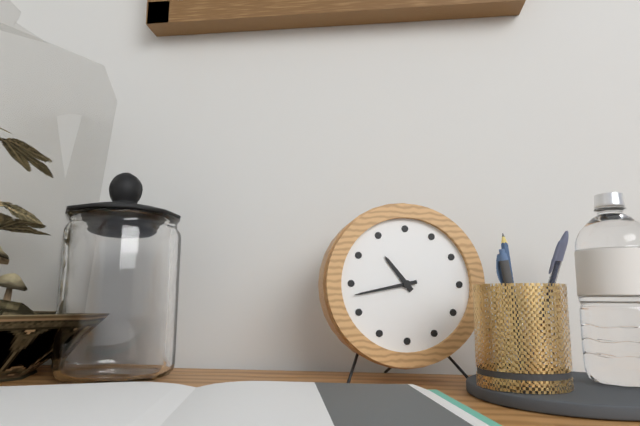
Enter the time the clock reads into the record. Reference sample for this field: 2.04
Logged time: 10.43
